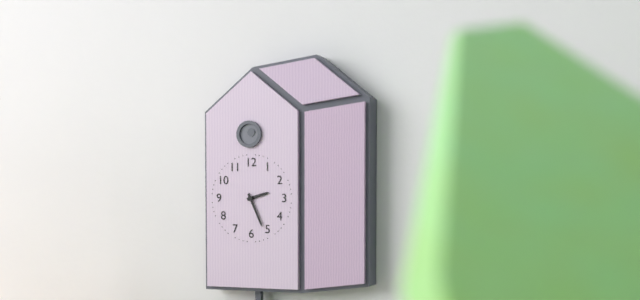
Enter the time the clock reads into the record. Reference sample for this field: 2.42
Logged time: 2.26
